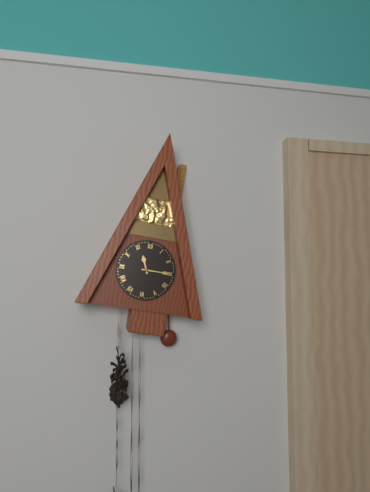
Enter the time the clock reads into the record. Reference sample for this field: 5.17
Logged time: 11.15
